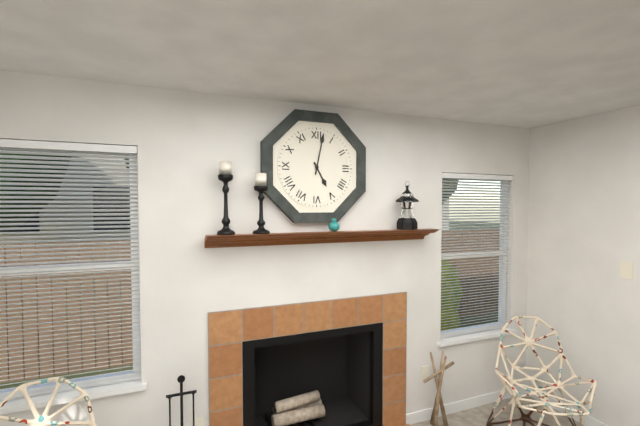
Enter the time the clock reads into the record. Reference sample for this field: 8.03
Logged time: 5.02
